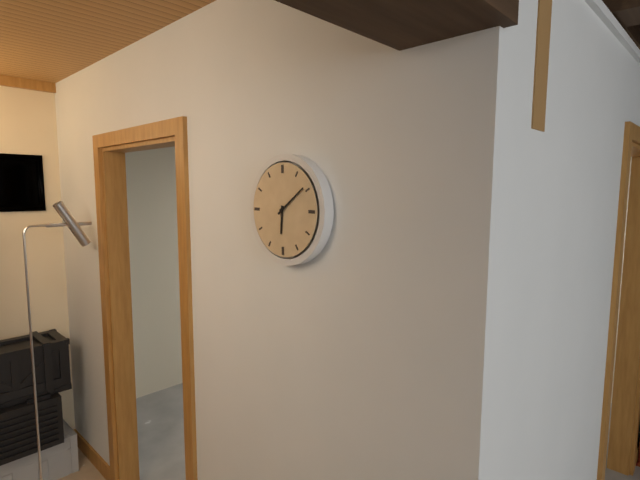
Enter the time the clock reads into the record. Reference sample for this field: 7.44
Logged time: 6.09
